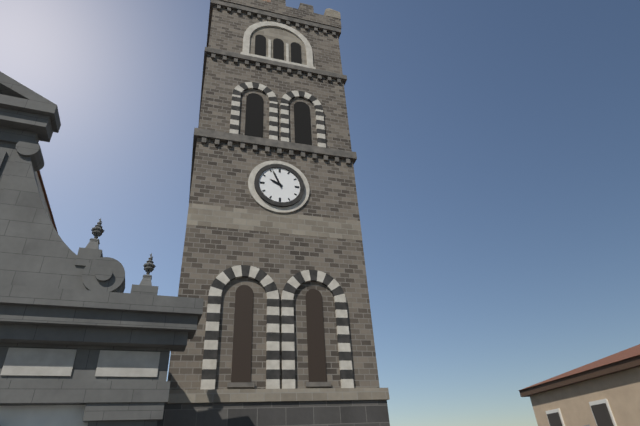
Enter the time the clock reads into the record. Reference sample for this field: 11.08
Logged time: 9.56
